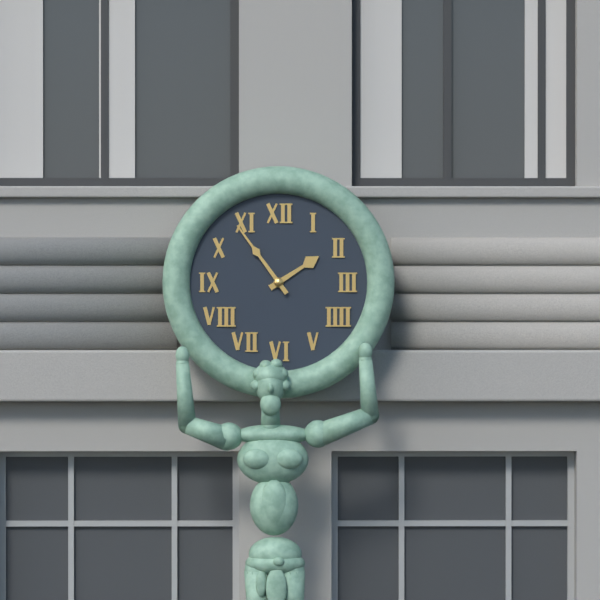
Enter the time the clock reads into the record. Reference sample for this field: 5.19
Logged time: 1.54
